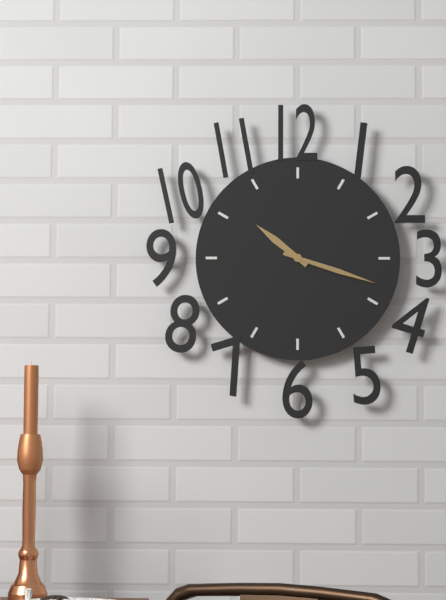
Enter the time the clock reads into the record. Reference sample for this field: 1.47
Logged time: 10.18
